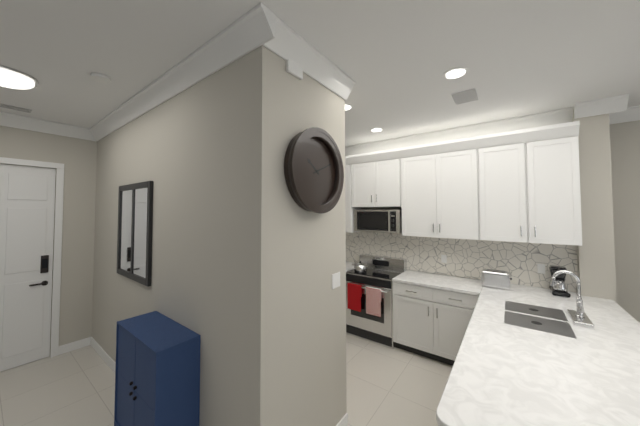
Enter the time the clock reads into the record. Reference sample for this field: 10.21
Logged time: 10.11
